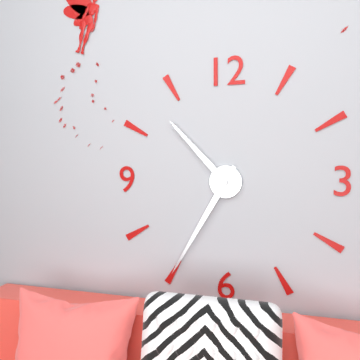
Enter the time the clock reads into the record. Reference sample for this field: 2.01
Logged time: 10.35
